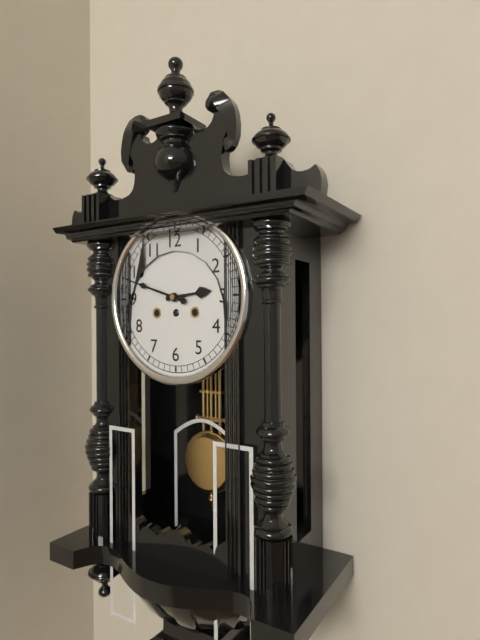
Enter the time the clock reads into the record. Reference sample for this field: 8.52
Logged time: 2.48
